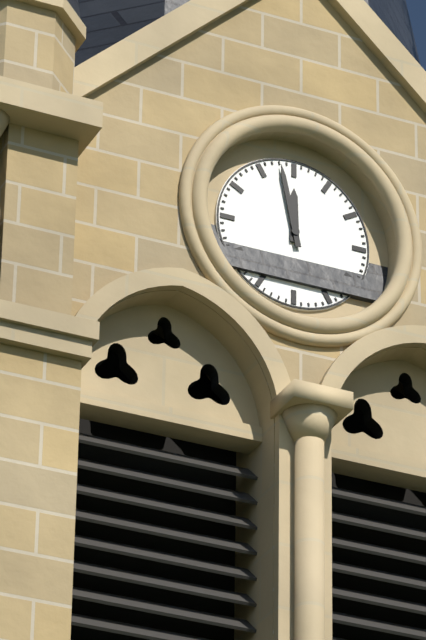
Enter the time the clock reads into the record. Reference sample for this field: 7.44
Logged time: 11.58
